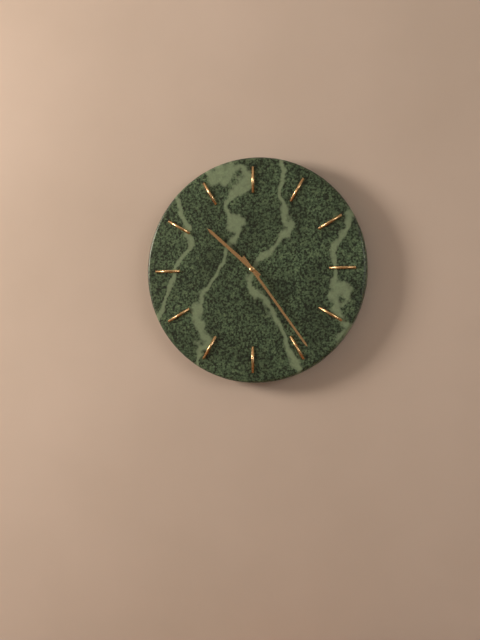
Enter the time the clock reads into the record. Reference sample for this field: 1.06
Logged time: 10.24
